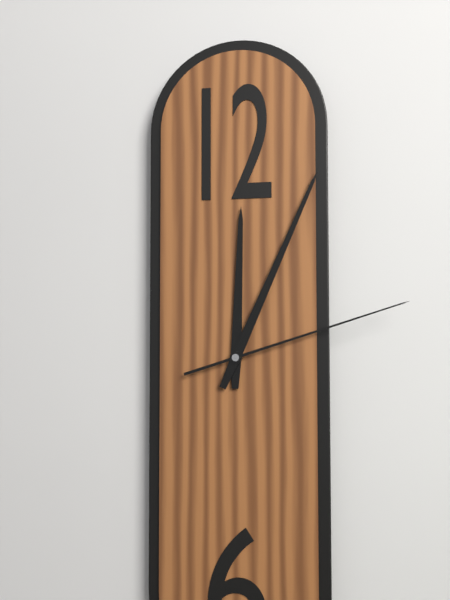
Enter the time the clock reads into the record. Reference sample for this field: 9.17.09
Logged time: 12.04.12
